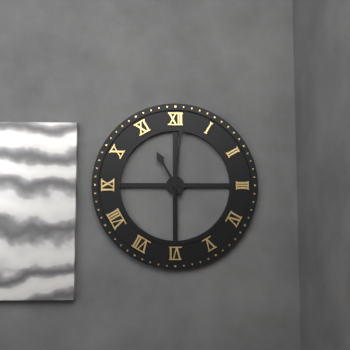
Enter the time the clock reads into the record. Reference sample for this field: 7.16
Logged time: 11.01
